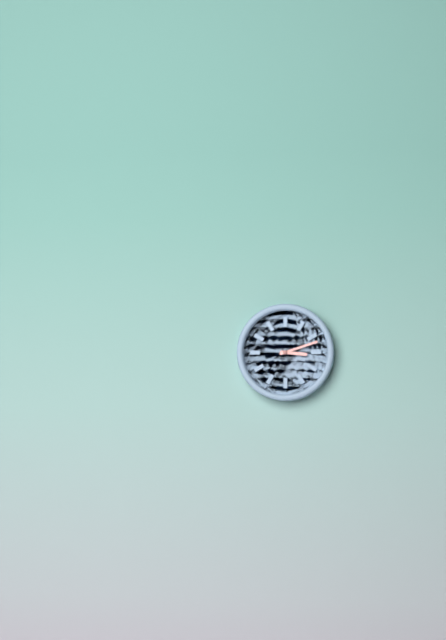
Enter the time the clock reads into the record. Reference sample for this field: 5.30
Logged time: 3.12
